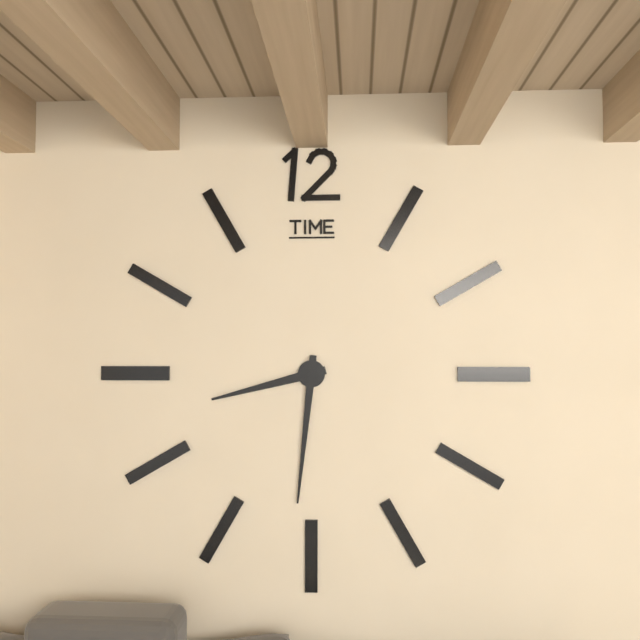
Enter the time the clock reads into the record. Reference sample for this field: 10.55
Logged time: 8.31
